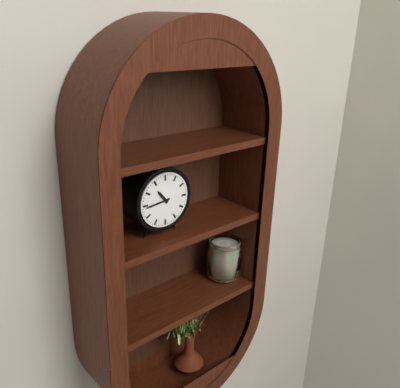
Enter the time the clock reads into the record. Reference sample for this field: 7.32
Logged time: 10.44
